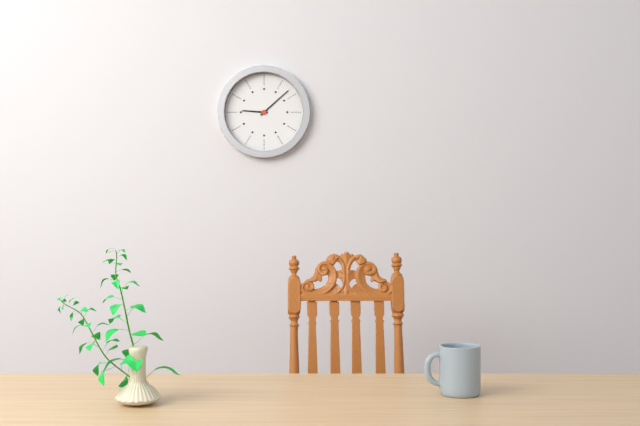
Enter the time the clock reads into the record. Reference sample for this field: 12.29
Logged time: 9.08
